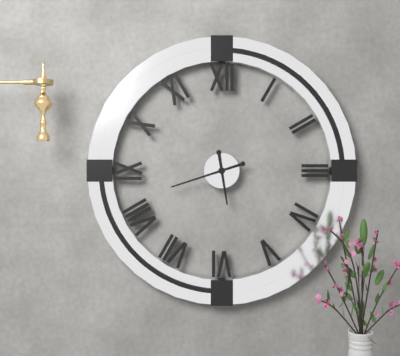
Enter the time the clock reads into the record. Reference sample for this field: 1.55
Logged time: 5.42
